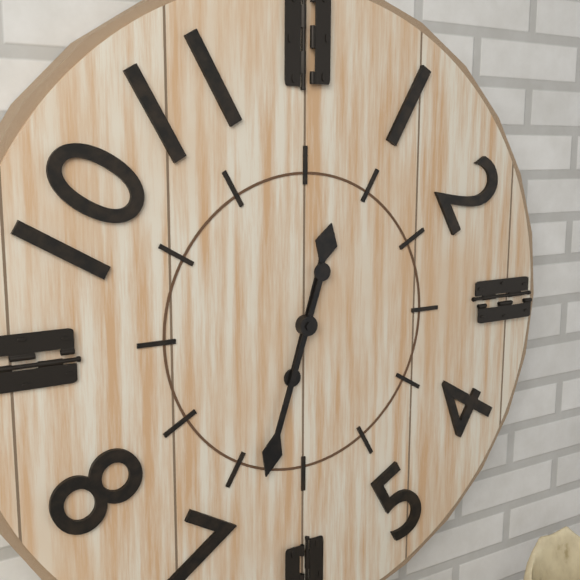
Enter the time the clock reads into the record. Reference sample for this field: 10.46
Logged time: 12.33
